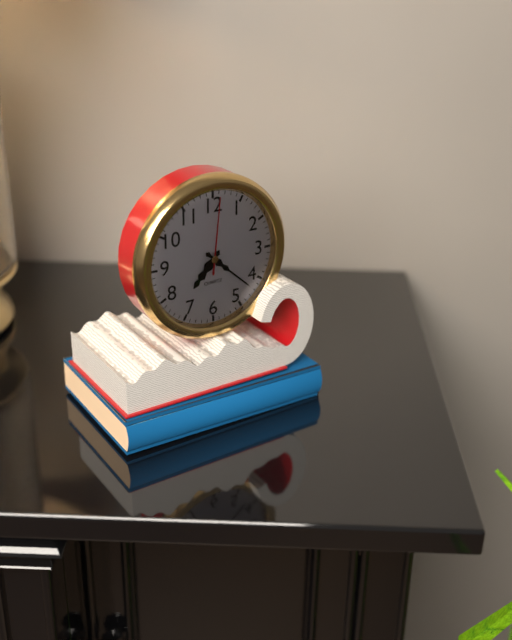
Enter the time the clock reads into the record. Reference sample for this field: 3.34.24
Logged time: 7.22.01
